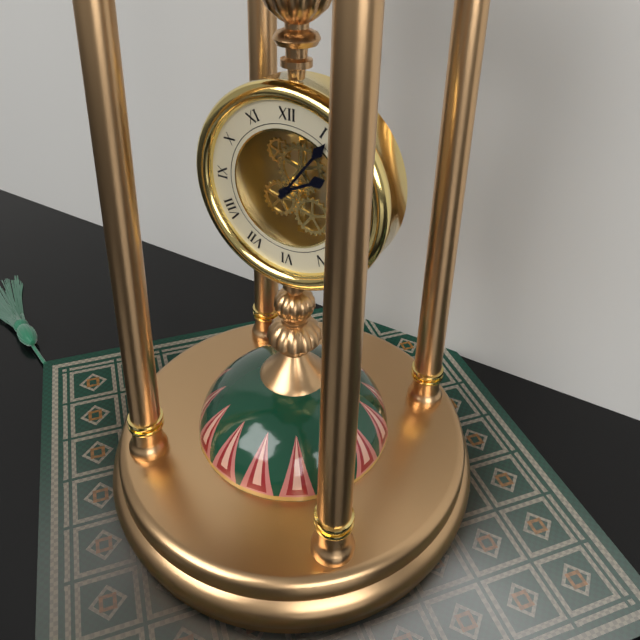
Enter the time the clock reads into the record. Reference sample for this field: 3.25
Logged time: 2.06
